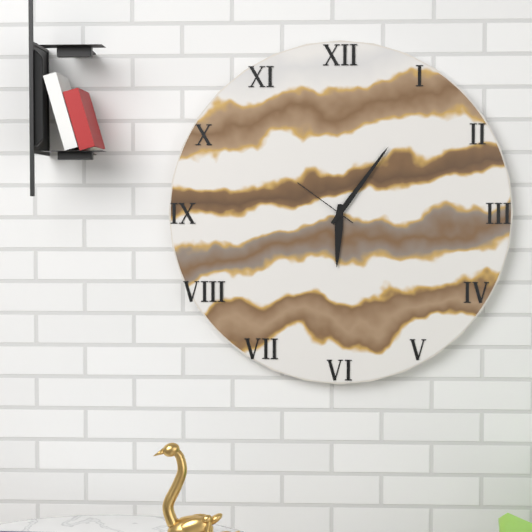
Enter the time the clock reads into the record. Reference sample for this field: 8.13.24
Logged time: 6.06.51
